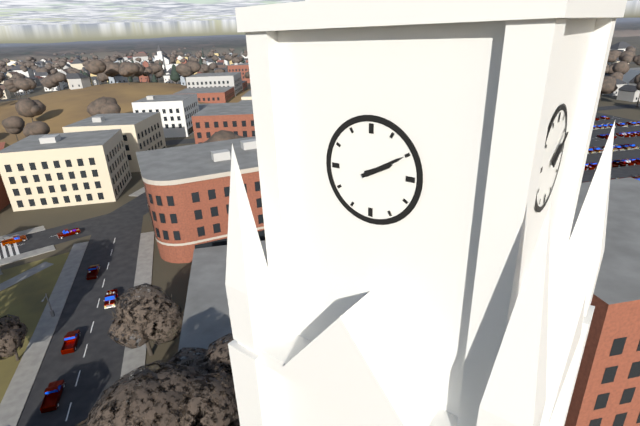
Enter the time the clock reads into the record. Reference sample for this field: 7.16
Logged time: 2.10
